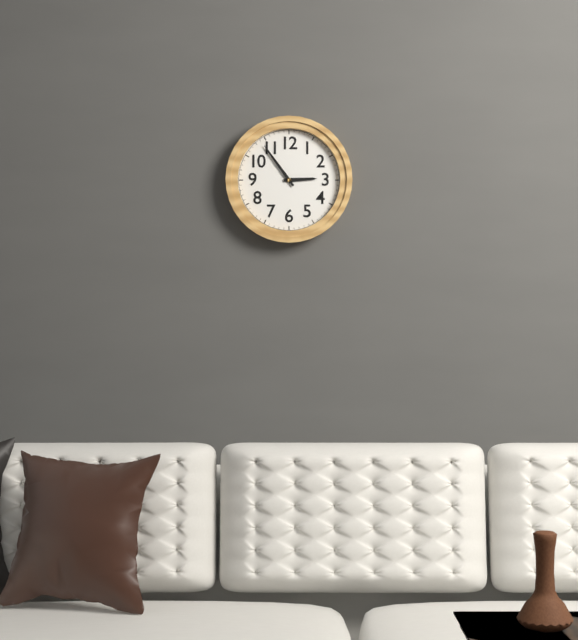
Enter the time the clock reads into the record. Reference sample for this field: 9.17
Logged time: 2.54
